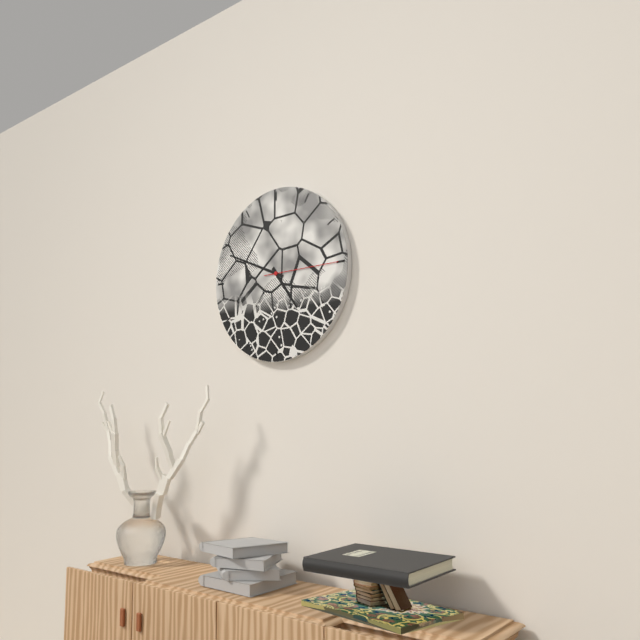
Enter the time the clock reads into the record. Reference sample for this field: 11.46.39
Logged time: 4.49.15
